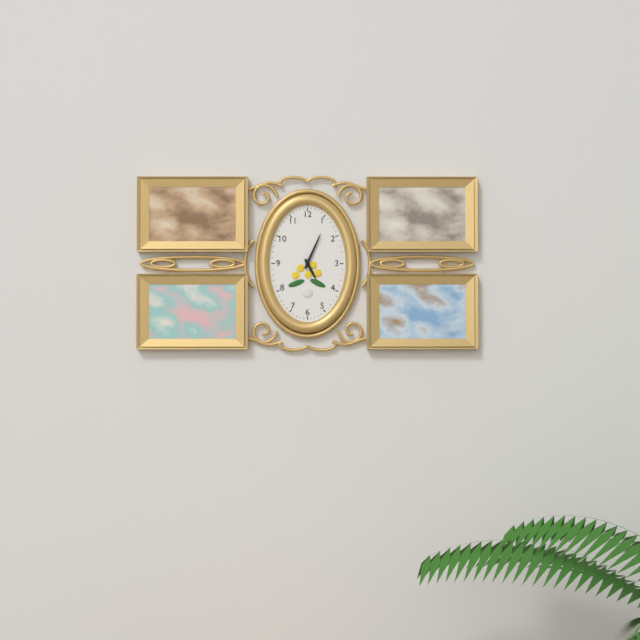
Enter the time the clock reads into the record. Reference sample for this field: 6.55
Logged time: 5.04
